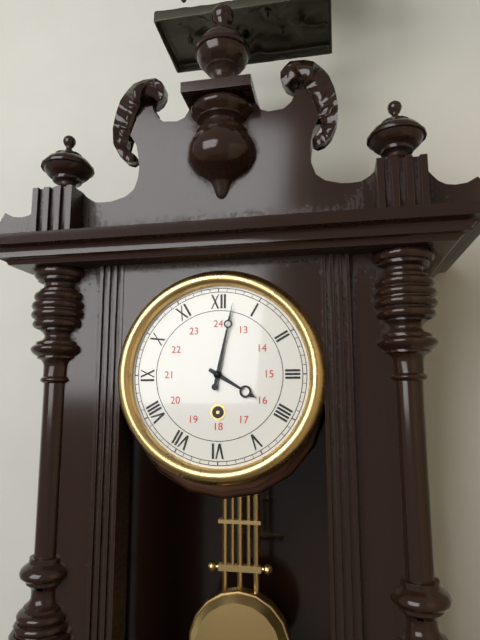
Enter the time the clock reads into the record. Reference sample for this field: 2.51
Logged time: 4.02
